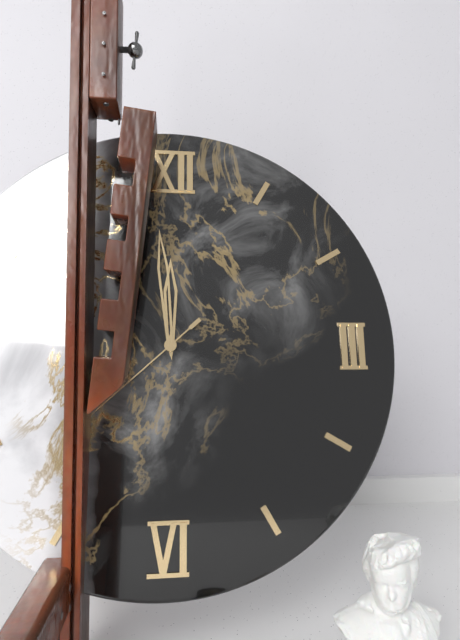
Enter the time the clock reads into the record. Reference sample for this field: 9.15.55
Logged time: 11.59.38
